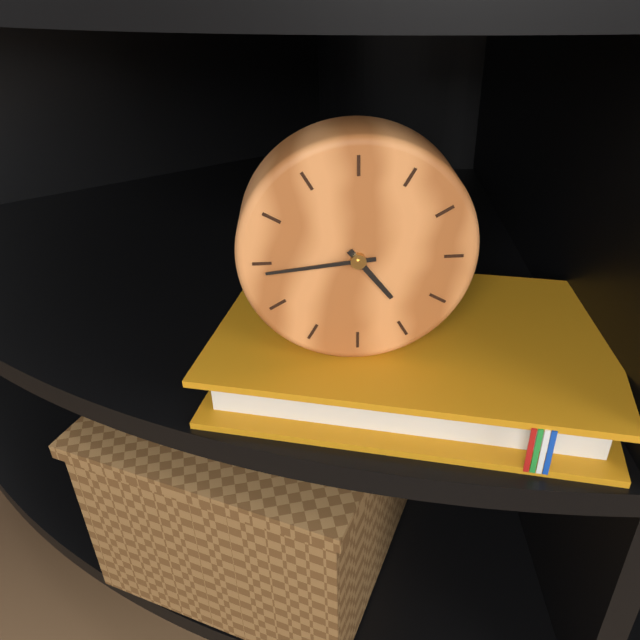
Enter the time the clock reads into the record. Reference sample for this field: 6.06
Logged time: 4.44
